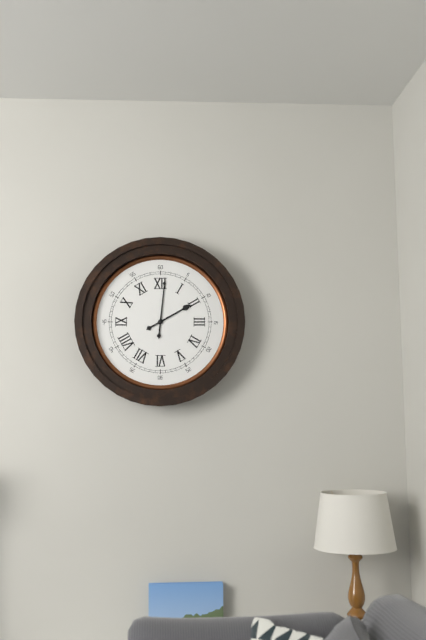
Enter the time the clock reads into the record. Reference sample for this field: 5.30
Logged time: 2.01
